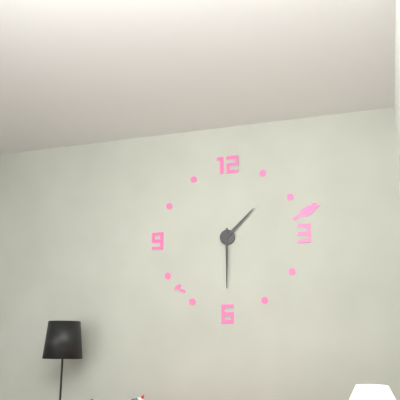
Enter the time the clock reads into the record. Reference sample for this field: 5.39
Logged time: 1.30
